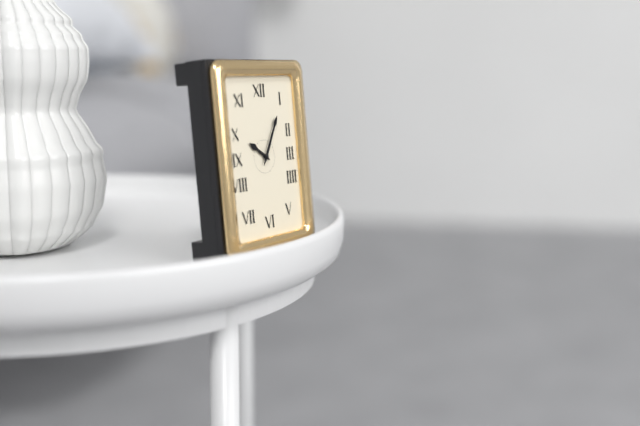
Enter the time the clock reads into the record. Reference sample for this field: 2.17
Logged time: 10.05
